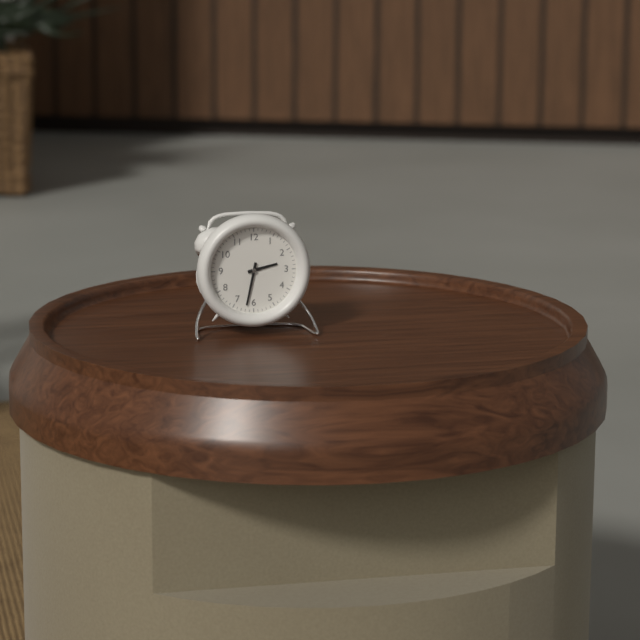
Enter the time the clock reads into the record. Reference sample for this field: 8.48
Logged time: 2.32
